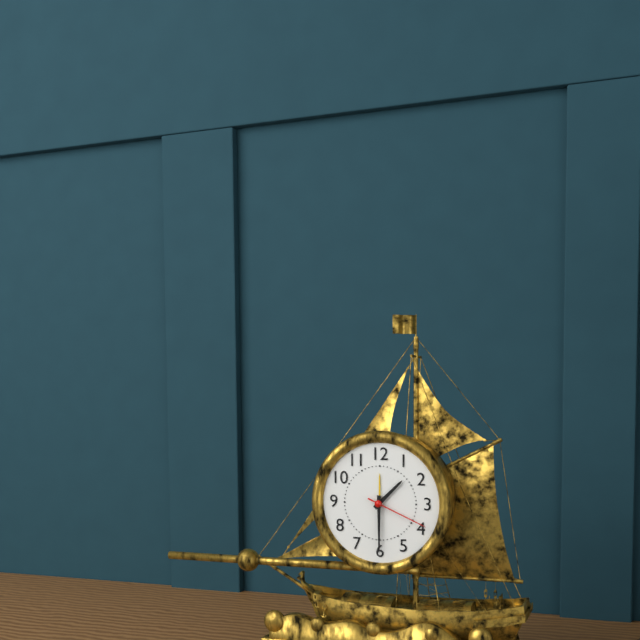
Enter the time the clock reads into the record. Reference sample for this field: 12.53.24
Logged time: 1.30.19
